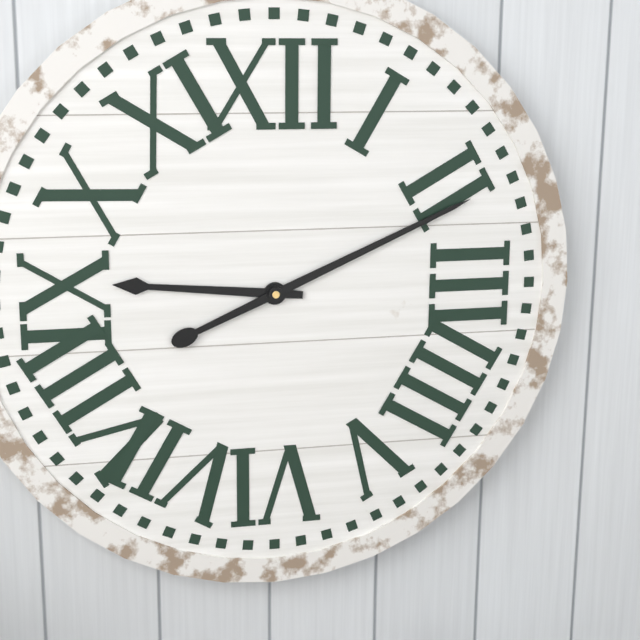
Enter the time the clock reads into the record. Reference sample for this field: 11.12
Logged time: 9.11
